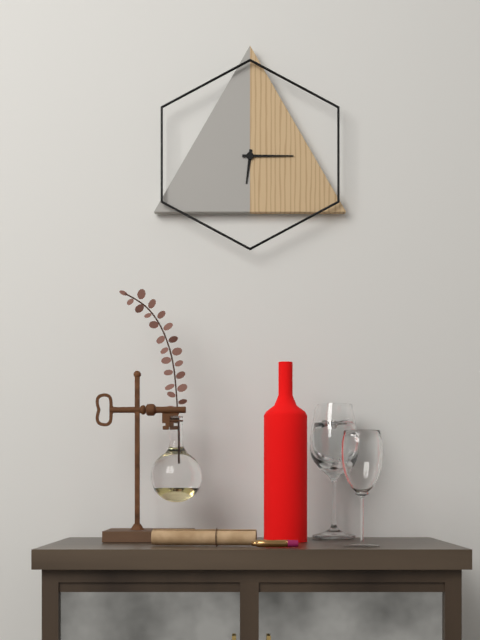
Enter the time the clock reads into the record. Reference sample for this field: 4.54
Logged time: 6.15
